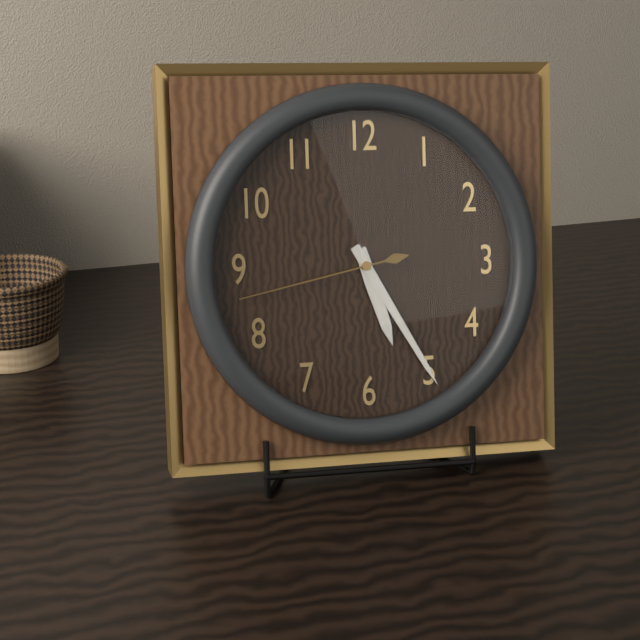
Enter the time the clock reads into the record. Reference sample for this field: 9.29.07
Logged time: 5.25.43
